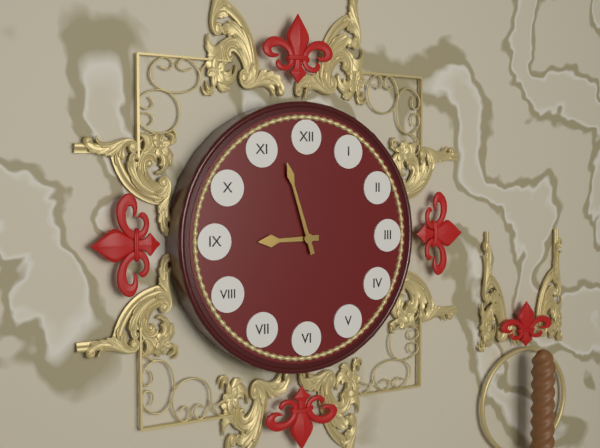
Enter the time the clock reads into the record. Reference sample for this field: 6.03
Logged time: 8.57
